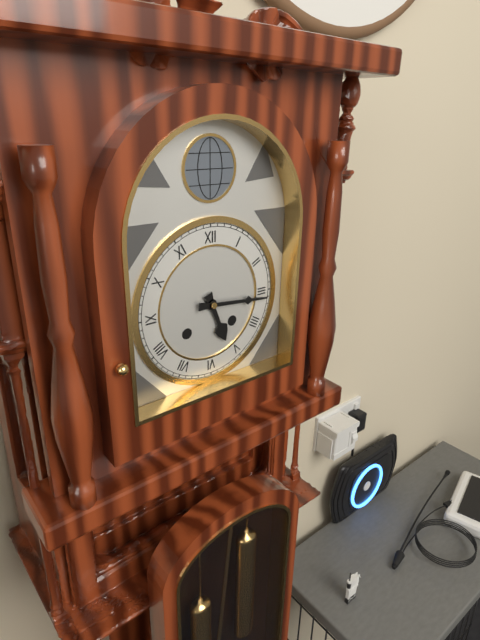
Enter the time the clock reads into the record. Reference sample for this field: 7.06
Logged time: 5.16
